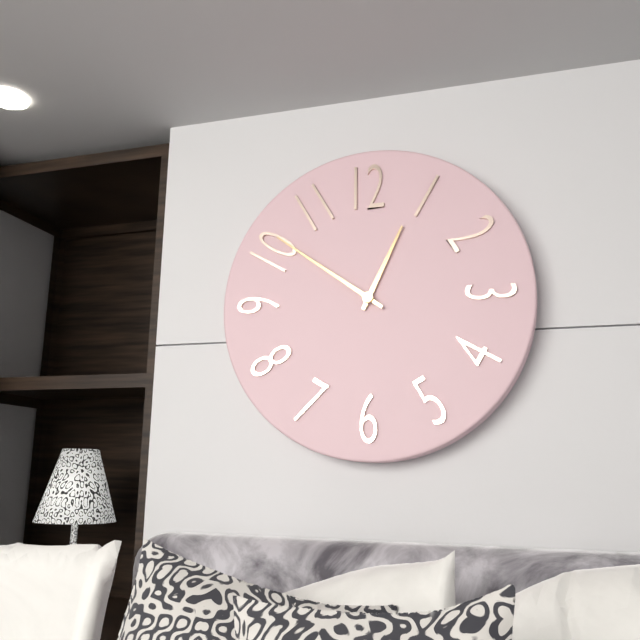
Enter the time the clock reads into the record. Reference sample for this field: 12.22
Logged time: 12.51
